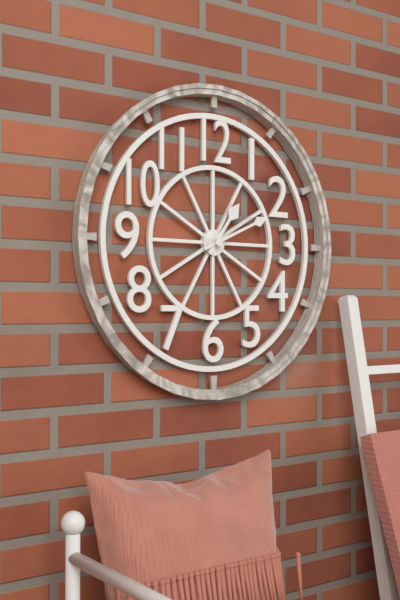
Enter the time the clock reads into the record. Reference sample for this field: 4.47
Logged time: 1.11
